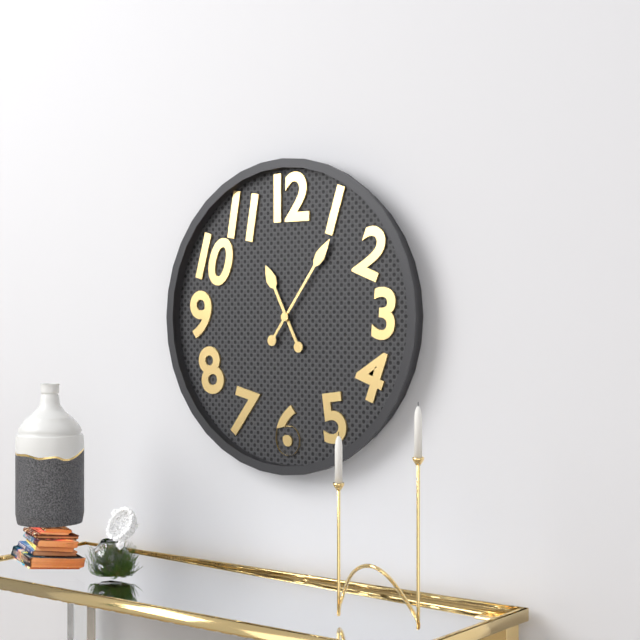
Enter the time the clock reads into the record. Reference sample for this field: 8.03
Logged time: 11.06
